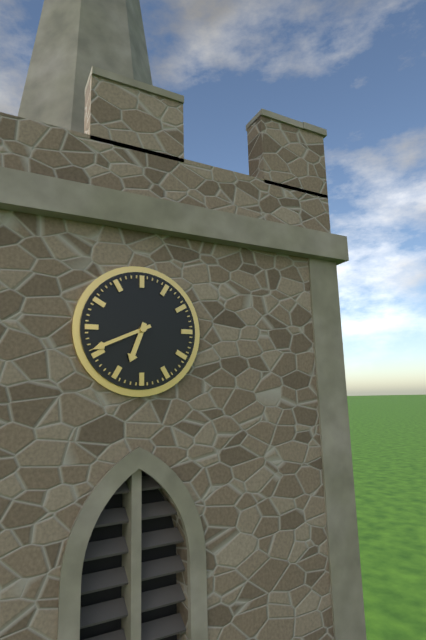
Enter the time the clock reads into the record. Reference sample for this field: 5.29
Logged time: 6.41
